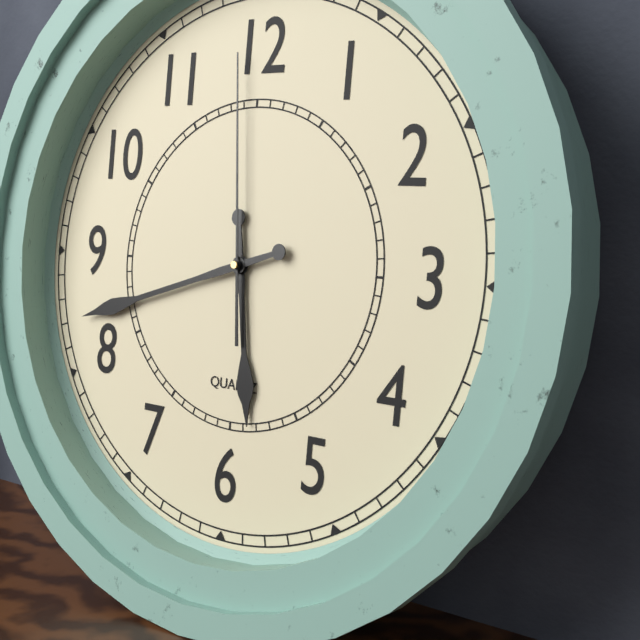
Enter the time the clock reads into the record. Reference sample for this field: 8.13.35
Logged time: 5.42.59
